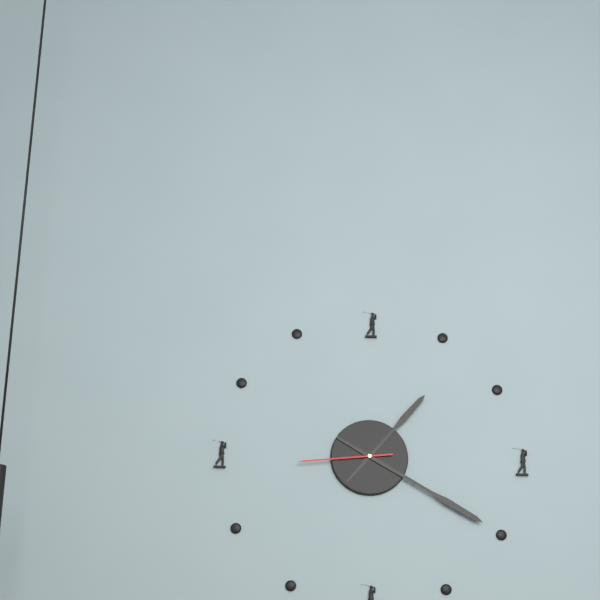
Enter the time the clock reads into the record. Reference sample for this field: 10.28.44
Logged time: 1.20.44
